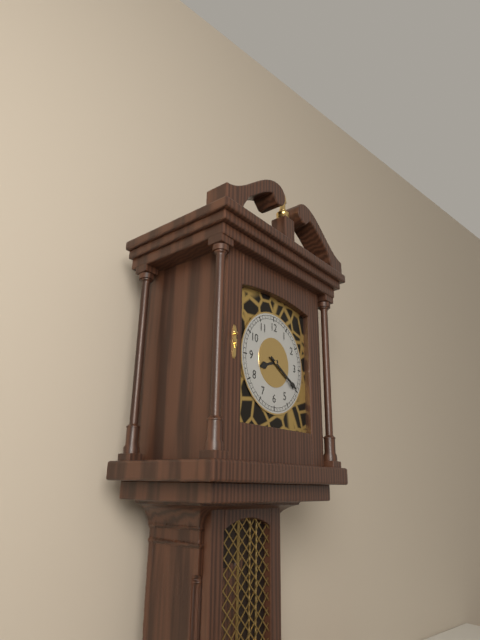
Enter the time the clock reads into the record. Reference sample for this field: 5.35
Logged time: 8.20
